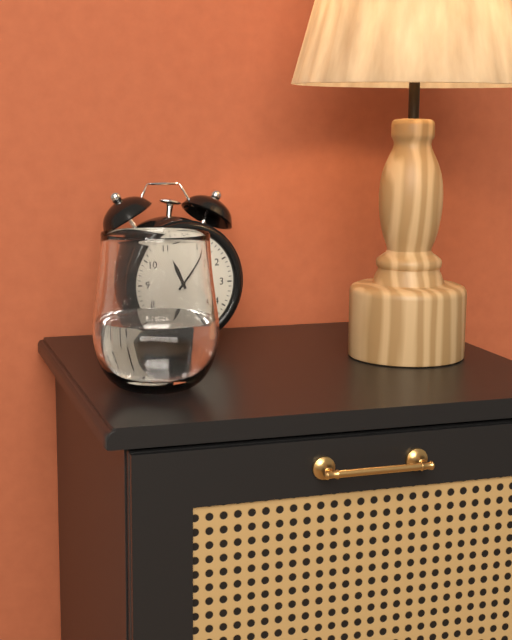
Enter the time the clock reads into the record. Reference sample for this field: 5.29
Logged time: 11.07
